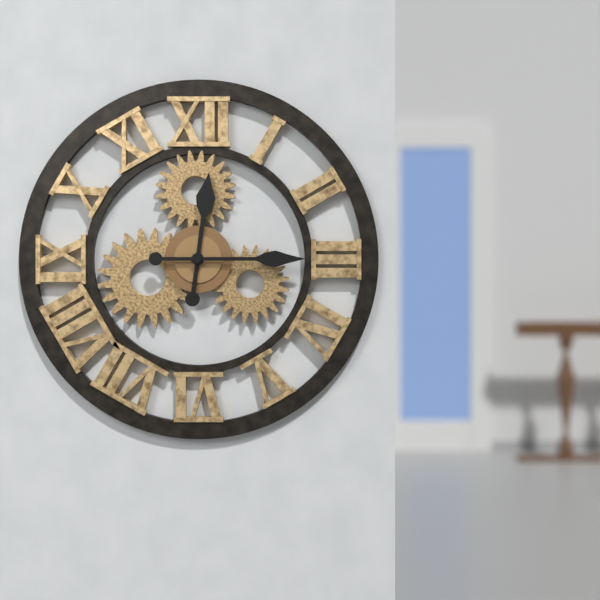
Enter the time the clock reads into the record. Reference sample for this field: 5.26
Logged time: 12.15
